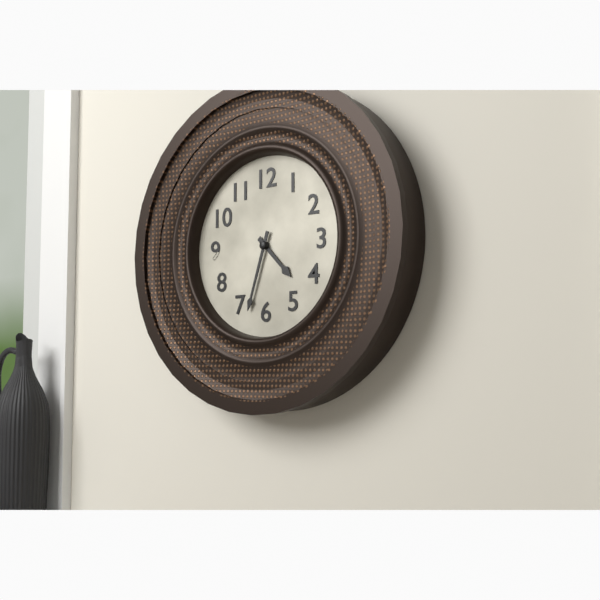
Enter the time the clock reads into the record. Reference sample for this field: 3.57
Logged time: 4.33
